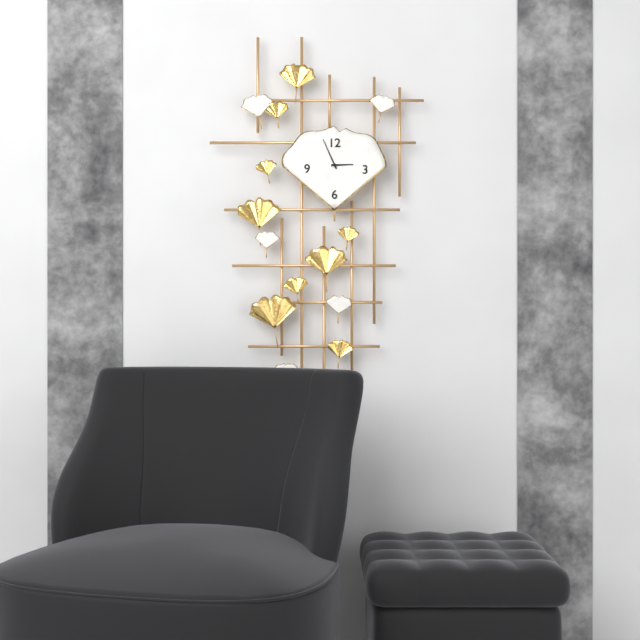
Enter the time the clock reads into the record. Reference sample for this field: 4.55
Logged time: 2.56
